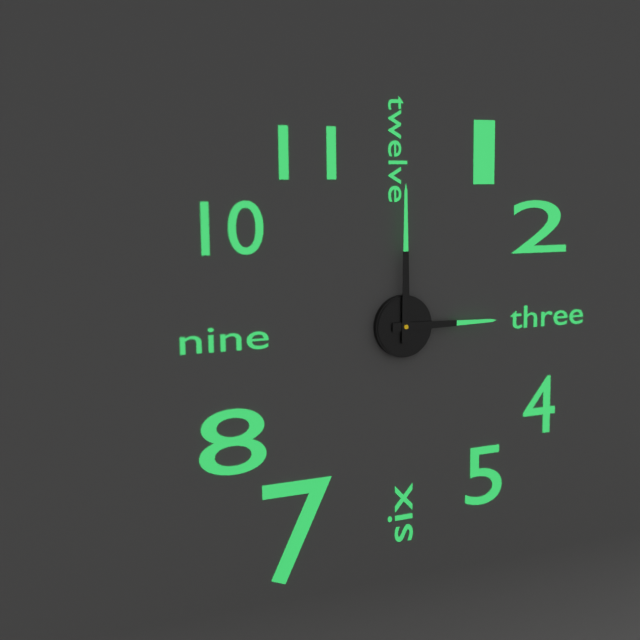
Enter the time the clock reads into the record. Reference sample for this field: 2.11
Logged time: 3.00
